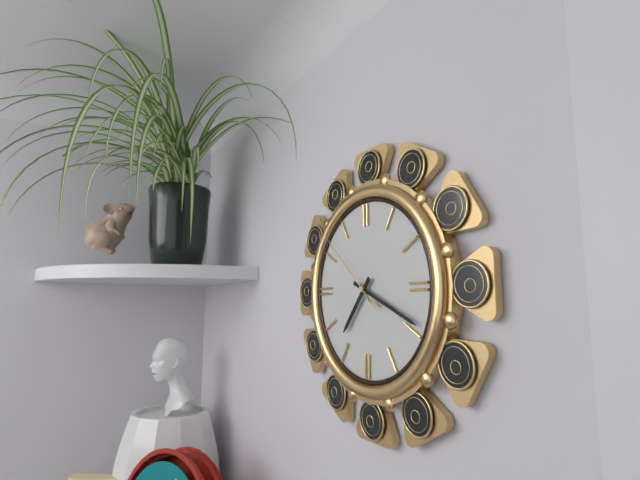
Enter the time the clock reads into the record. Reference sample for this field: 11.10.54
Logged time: 7.19.52
